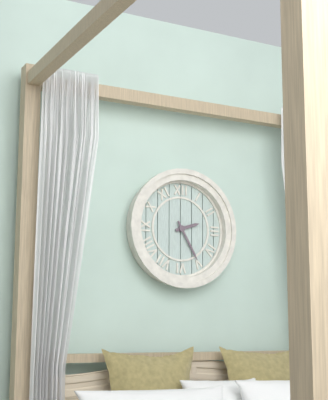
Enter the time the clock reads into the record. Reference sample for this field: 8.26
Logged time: 2.25
